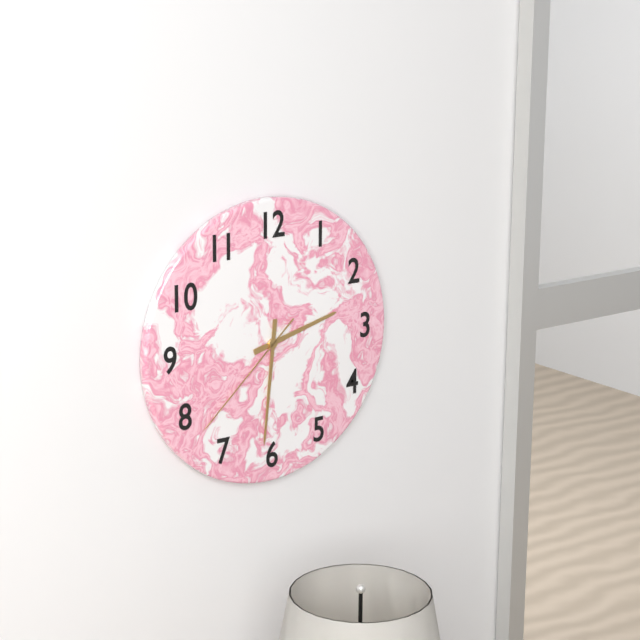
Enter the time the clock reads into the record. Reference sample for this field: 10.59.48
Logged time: 2.31.38
